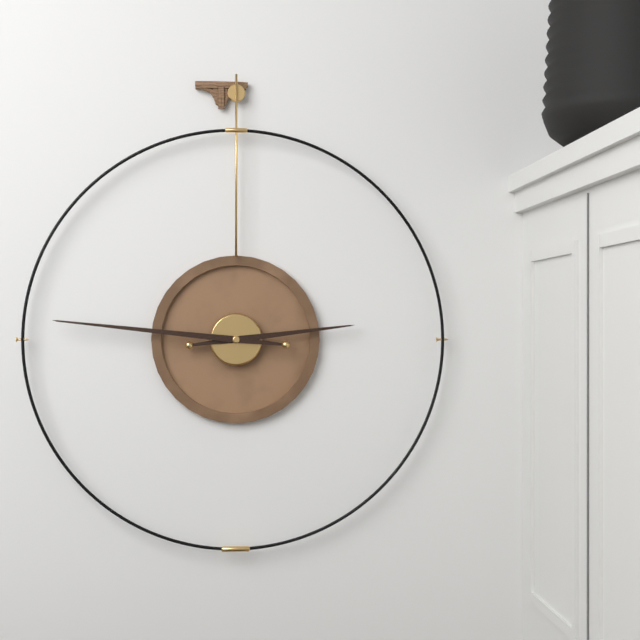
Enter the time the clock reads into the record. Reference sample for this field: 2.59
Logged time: 2.46
